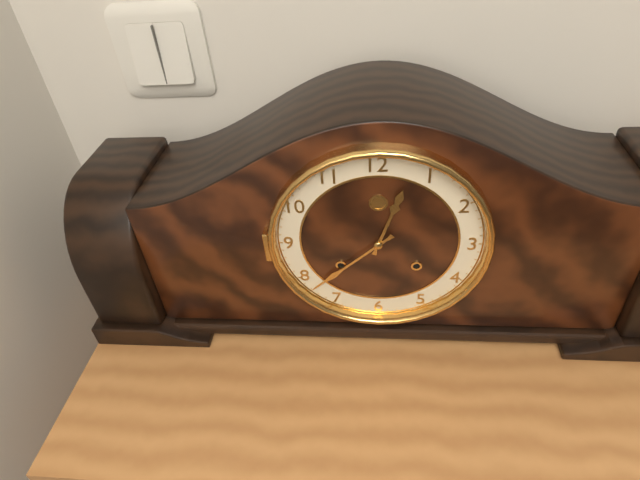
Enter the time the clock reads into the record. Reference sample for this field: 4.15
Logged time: 12.38
